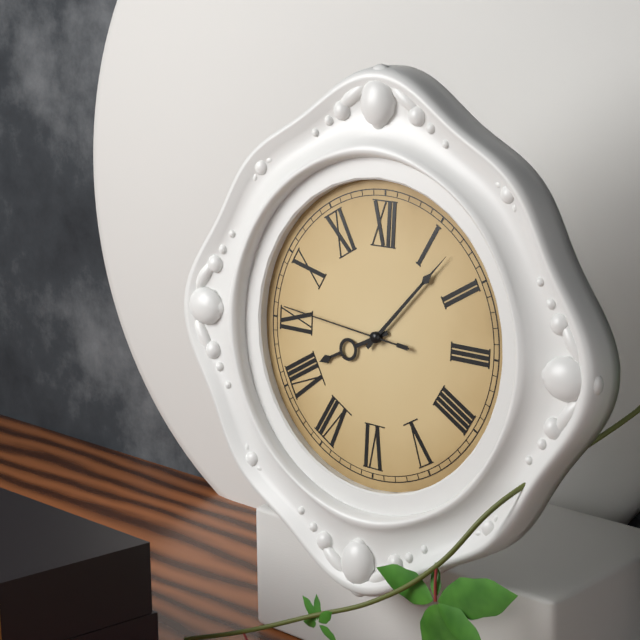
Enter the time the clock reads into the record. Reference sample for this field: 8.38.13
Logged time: 8.07.46
